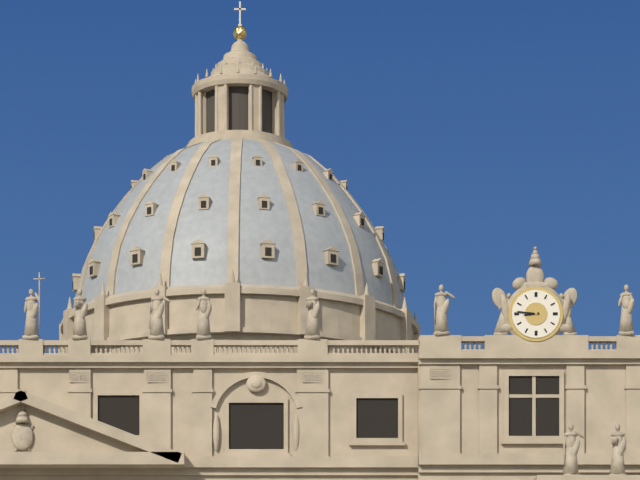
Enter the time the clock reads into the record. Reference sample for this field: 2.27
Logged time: 8.46
